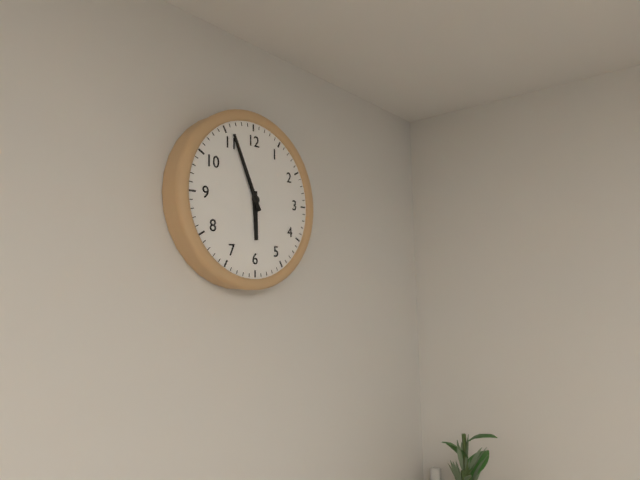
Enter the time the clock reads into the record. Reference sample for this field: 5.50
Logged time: 5.56
